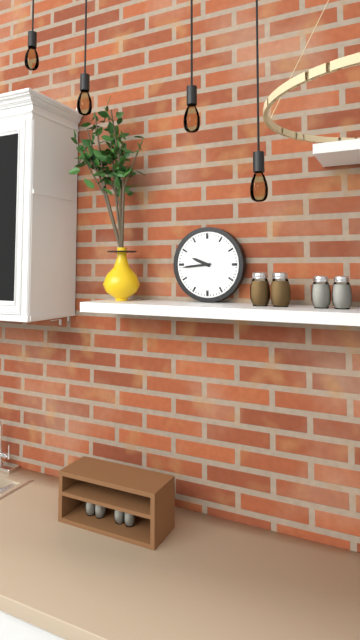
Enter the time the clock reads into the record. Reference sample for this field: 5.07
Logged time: 9.44
